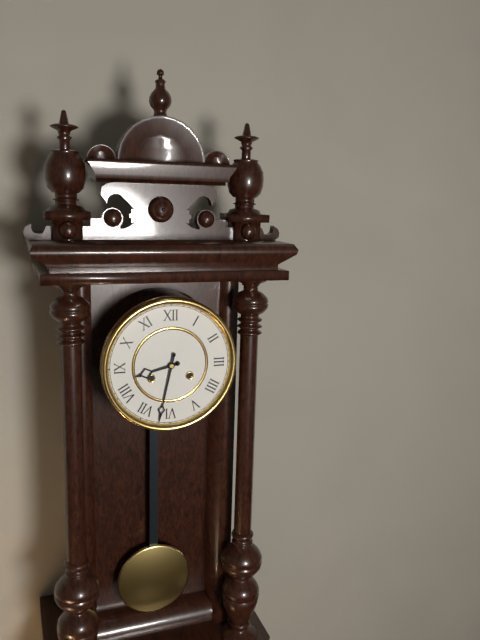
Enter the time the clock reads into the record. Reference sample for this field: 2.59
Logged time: 8.32
